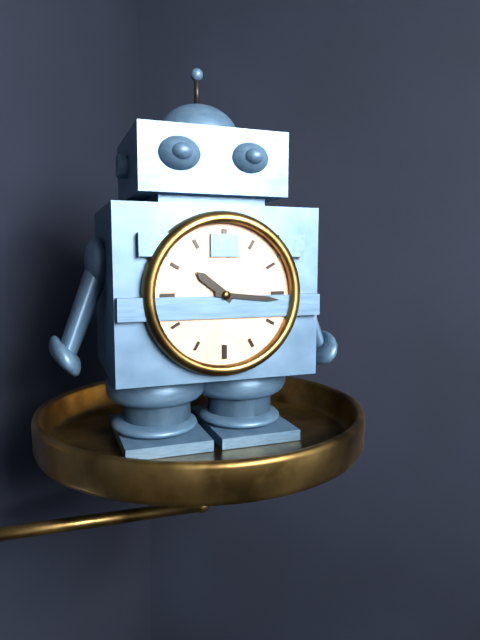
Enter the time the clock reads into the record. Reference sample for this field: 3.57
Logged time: 10.16
